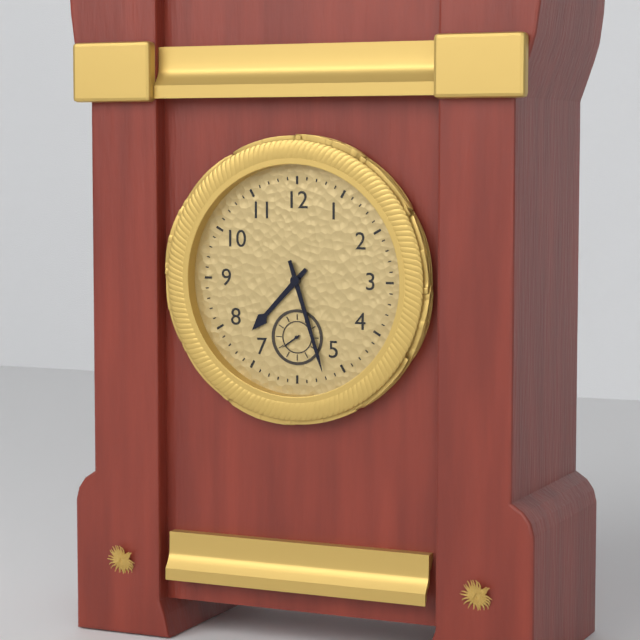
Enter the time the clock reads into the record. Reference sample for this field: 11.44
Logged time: 7.27
